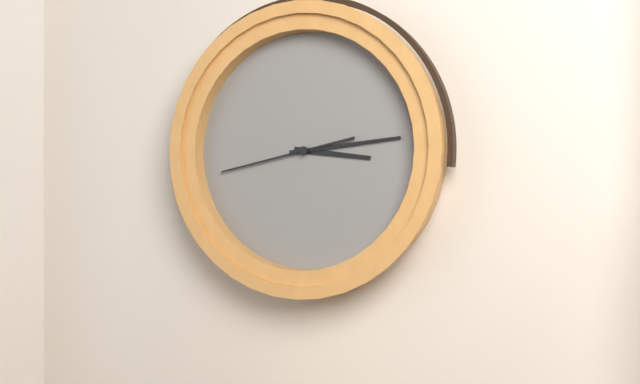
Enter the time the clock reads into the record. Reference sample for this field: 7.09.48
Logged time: 3.14.43
